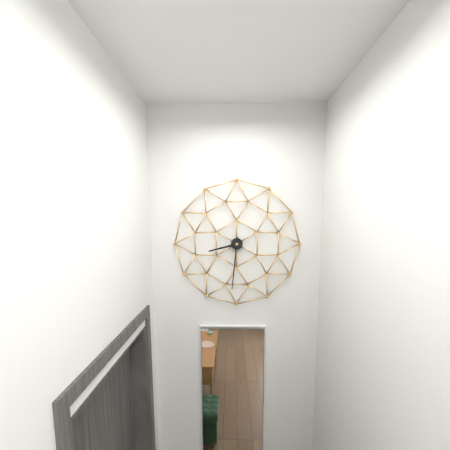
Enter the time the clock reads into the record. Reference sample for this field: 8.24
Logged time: 8.31
